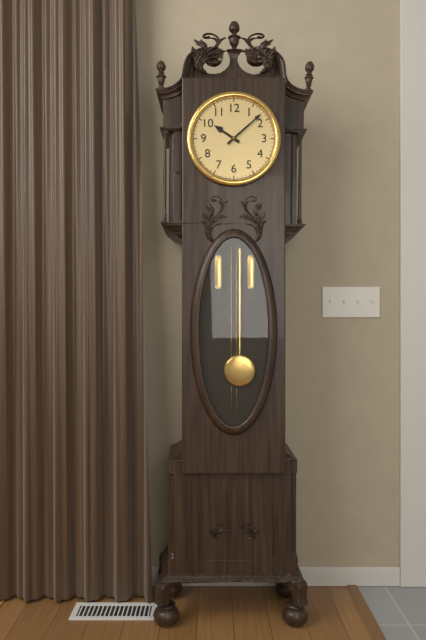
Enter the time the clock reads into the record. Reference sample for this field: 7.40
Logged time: 10.08
